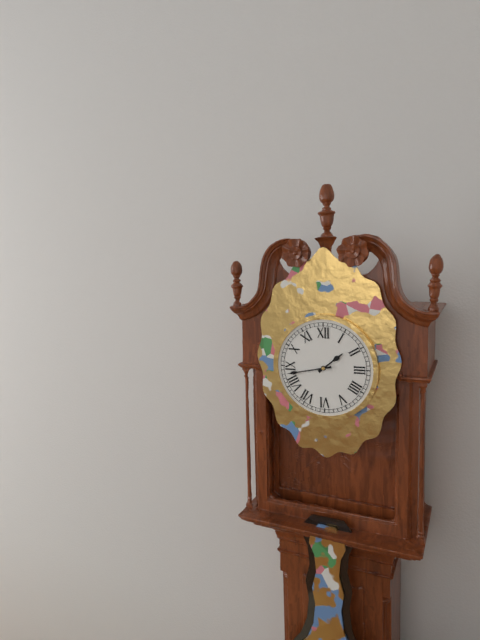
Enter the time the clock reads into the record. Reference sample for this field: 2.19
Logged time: 1.43
